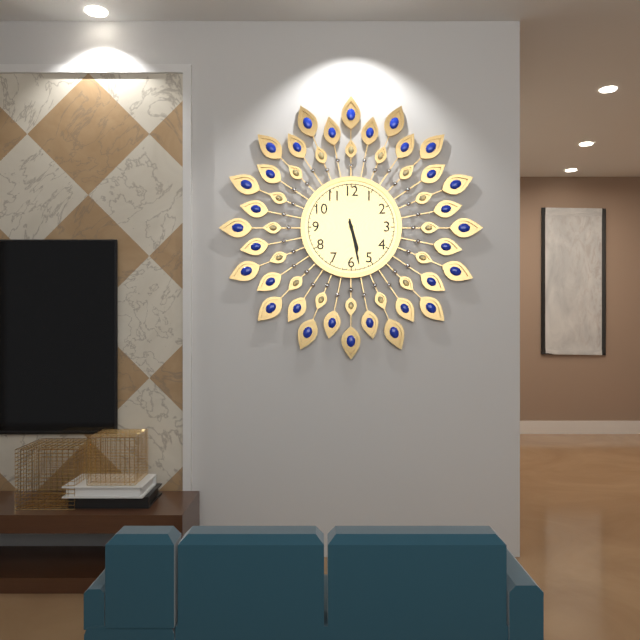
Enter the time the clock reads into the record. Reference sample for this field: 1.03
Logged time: 5.28
